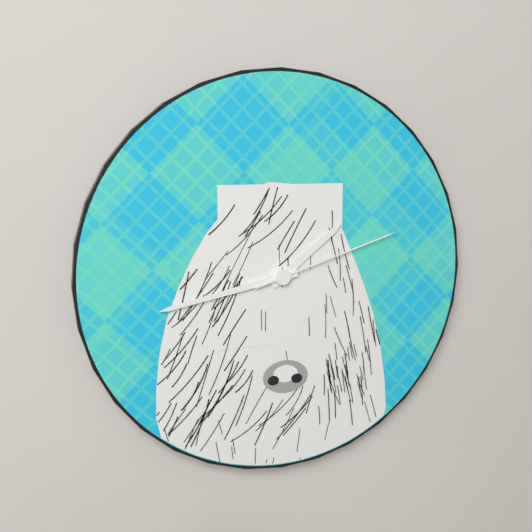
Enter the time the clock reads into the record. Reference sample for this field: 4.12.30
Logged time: 1.43.12
